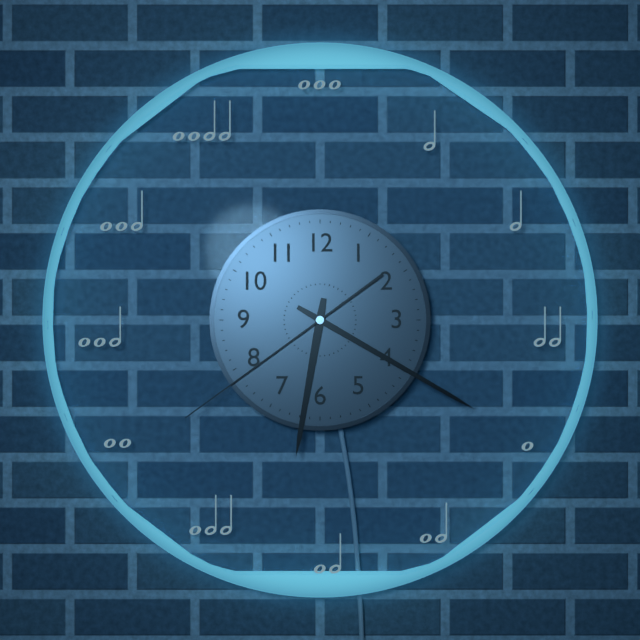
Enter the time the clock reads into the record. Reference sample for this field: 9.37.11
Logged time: 6.20.39
